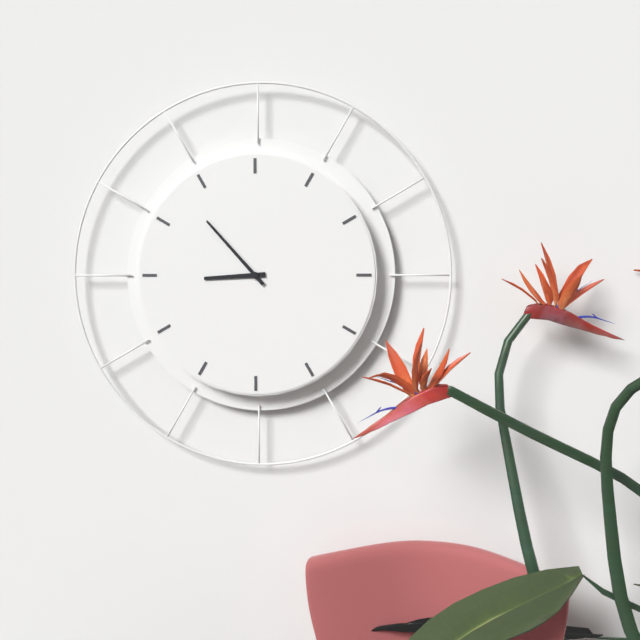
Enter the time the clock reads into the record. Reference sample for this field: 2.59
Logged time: 8.53
